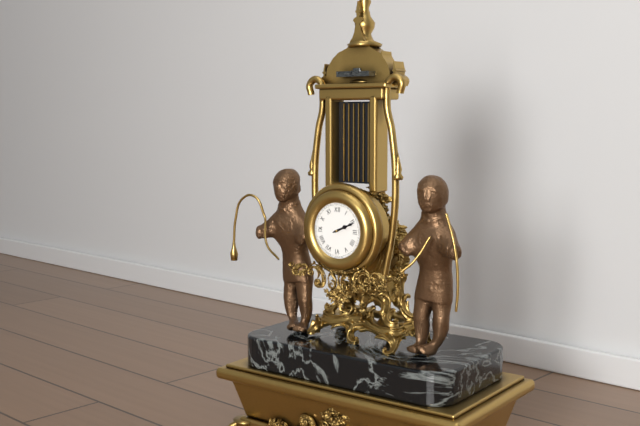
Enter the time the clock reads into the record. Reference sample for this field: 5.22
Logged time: 2.11
